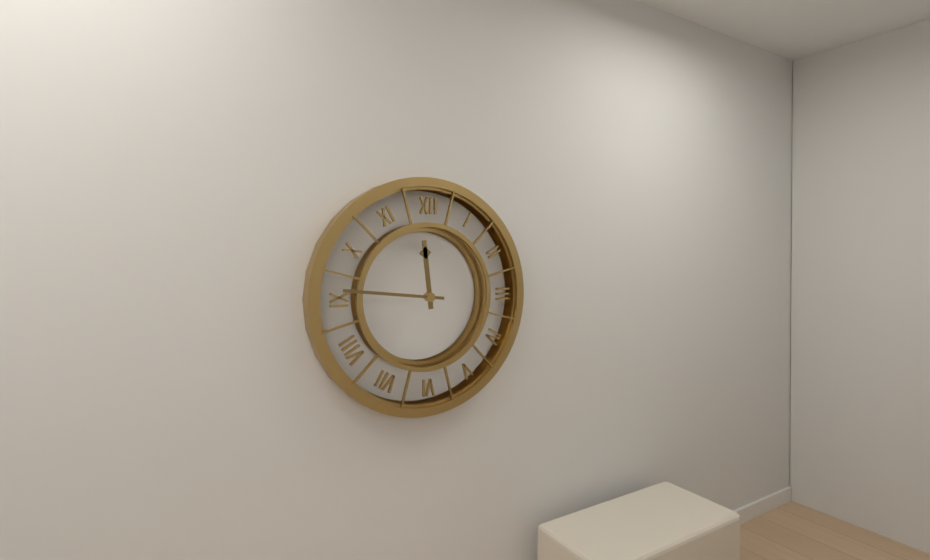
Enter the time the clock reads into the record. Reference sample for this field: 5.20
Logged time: 11.46
